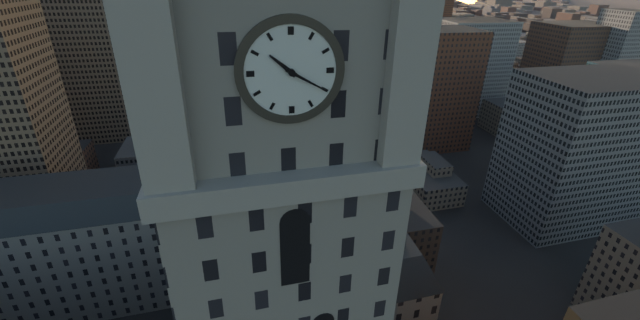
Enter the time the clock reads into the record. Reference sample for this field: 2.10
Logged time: 10.20
